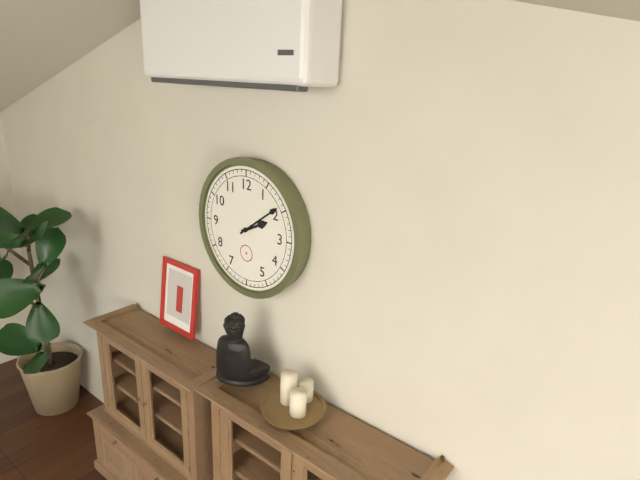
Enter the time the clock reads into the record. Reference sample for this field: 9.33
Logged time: 2.09
